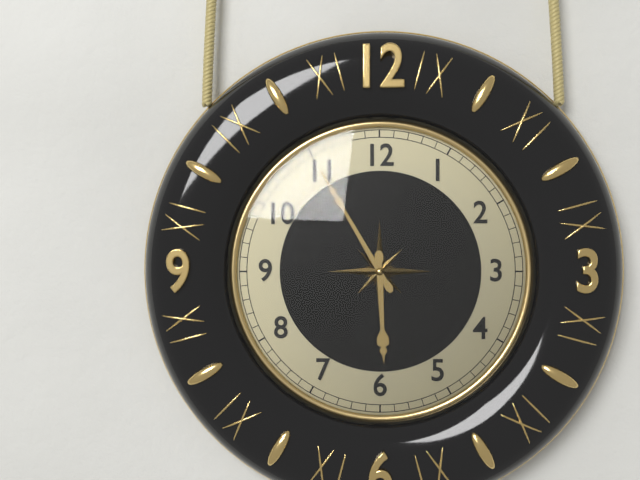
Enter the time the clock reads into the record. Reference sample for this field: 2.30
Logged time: 5.55
